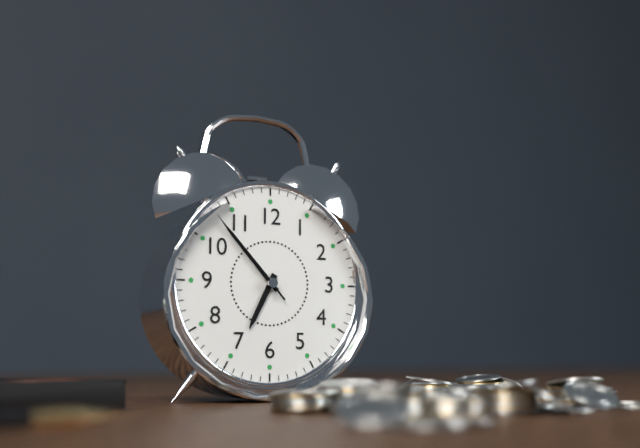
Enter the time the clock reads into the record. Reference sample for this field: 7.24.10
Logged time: 6.53.53
